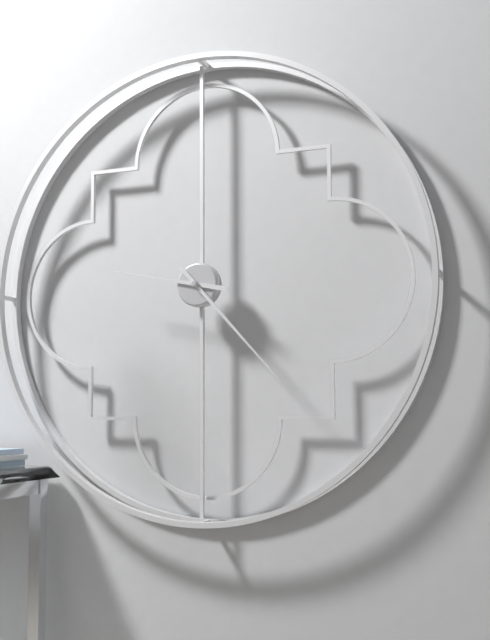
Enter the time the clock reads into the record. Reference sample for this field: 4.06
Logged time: 9.23
